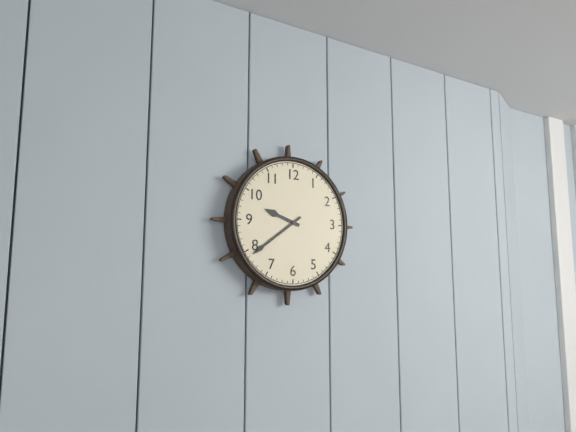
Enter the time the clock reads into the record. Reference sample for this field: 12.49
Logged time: 9.39
